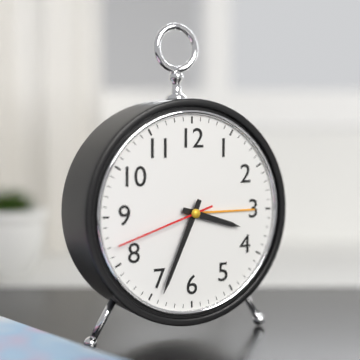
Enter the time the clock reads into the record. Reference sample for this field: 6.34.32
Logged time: 3.34.42
